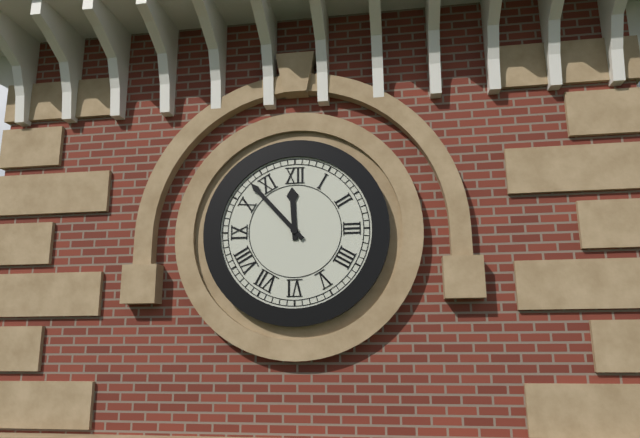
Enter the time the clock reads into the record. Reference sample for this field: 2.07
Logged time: 11.53
